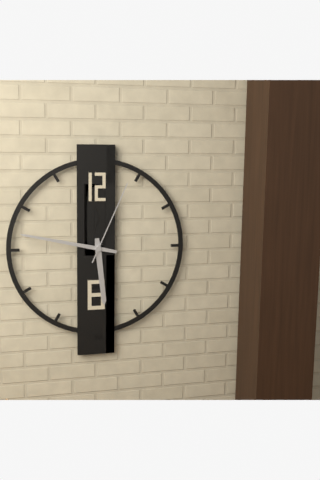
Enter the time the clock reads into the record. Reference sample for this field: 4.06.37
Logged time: 5.47.04
